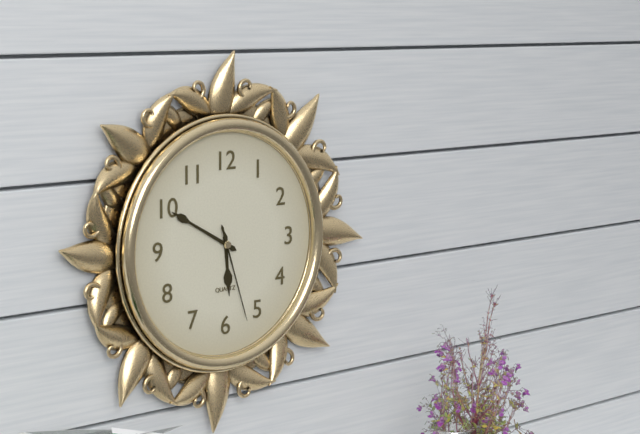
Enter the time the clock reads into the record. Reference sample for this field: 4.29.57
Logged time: 5.50.27
